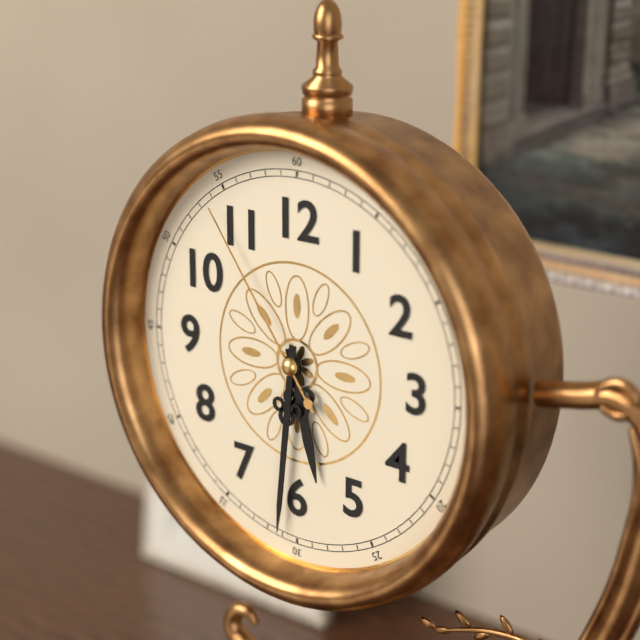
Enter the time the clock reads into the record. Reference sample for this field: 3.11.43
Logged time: 5.31.54
